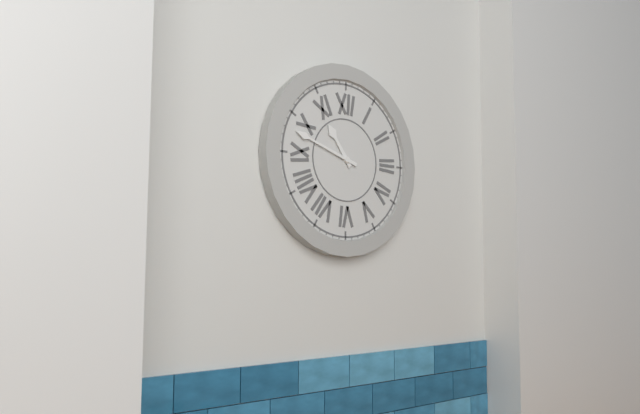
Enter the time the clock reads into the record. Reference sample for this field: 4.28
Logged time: 10.48
